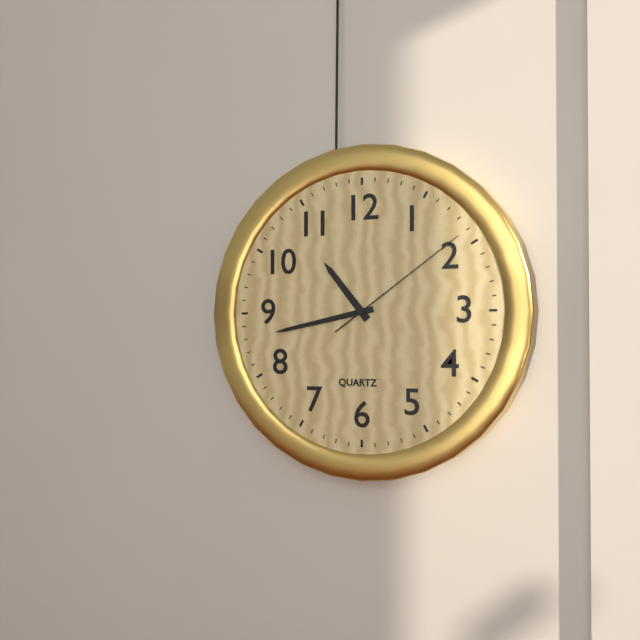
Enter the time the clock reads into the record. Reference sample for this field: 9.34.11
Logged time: 10.43.09
